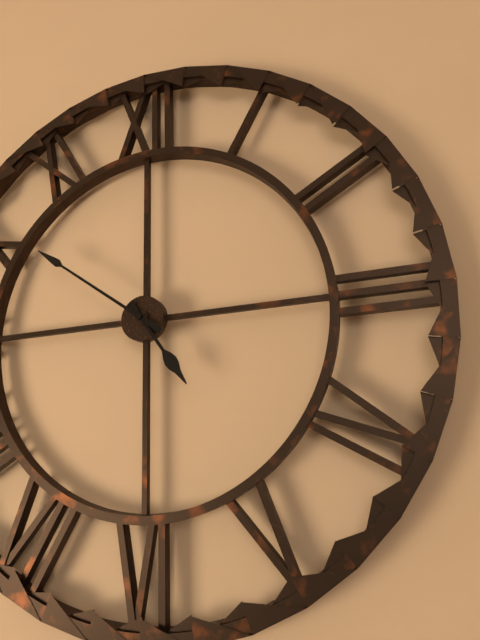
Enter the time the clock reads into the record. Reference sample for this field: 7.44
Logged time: 4.51
